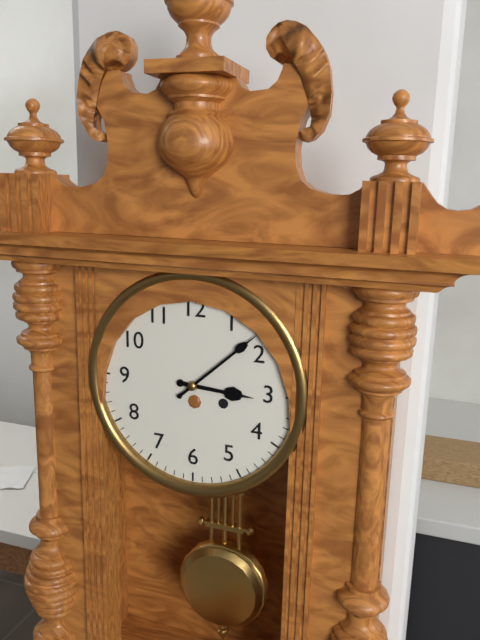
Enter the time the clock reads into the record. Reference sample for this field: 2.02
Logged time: 3.08
